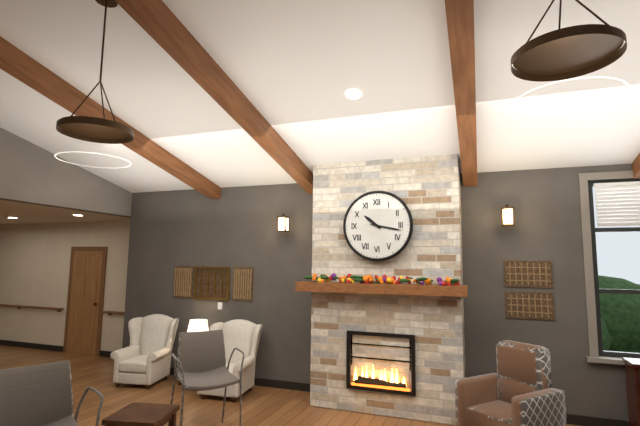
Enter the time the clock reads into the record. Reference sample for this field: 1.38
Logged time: 10.17
